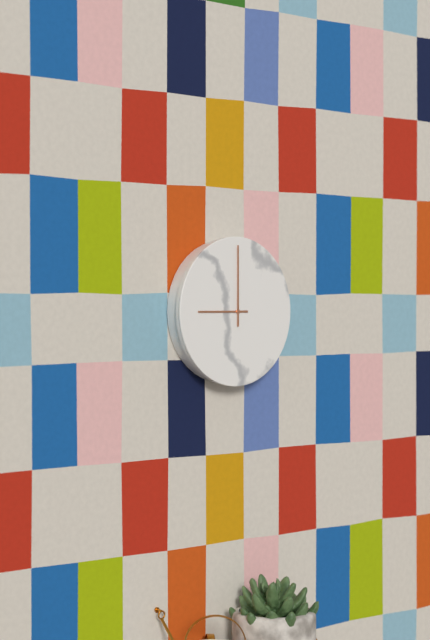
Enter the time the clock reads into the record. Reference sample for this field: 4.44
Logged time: 9.00
